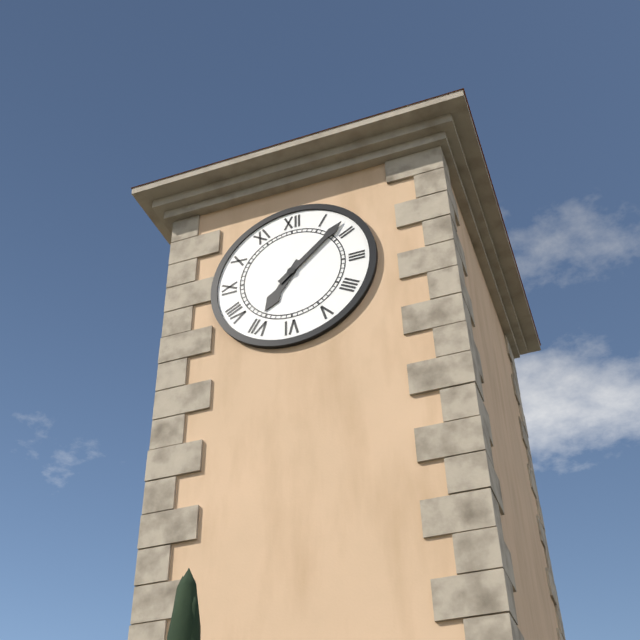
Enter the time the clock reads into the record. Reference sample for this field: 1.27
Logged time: 7.08
